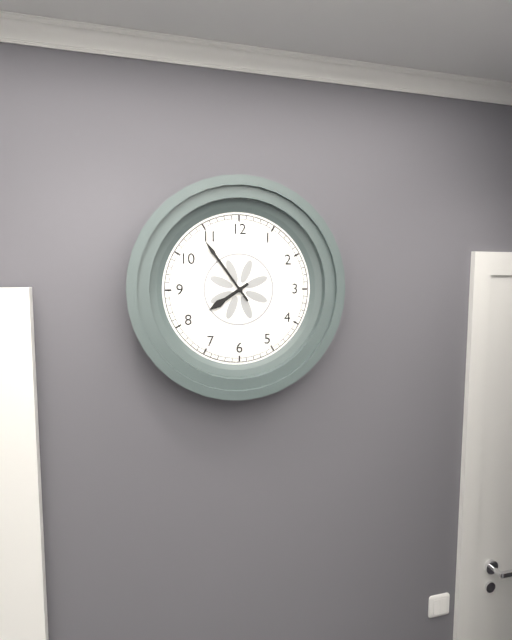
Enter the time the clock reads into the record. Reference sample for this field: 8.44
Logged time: 7.54
